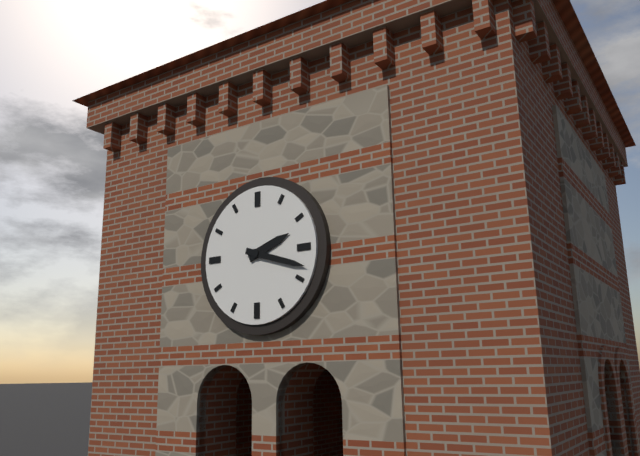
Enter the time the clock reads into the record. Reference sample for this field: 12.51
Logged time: 2.18
